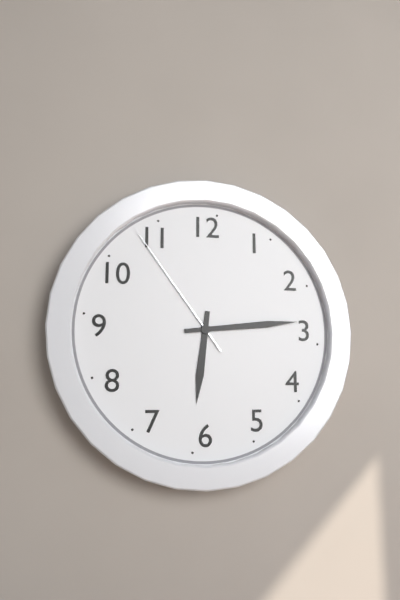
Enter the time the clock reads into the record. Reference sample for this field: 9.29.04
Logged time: 6.14.54
